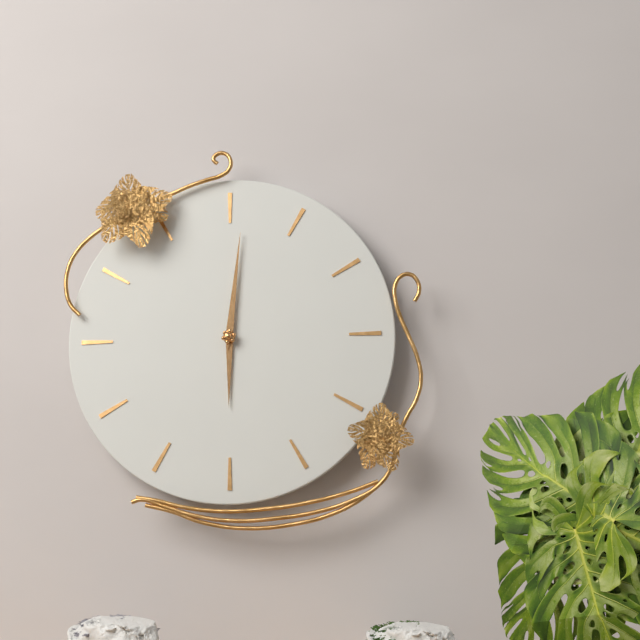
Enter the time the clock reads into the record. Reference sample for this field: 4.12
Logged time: 6.01
